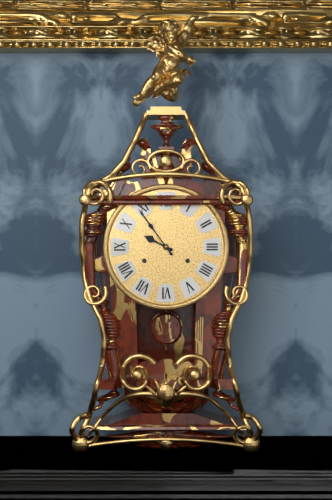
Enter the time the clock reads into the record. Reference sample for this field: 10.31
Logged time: 9.54
